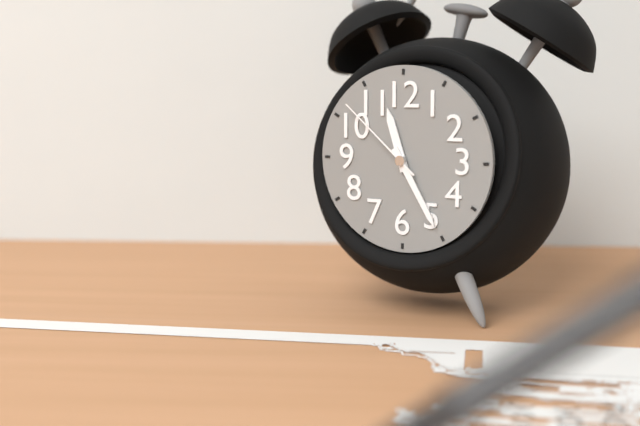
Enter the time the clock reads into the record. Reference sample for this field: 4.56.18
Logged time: 11.25.52
